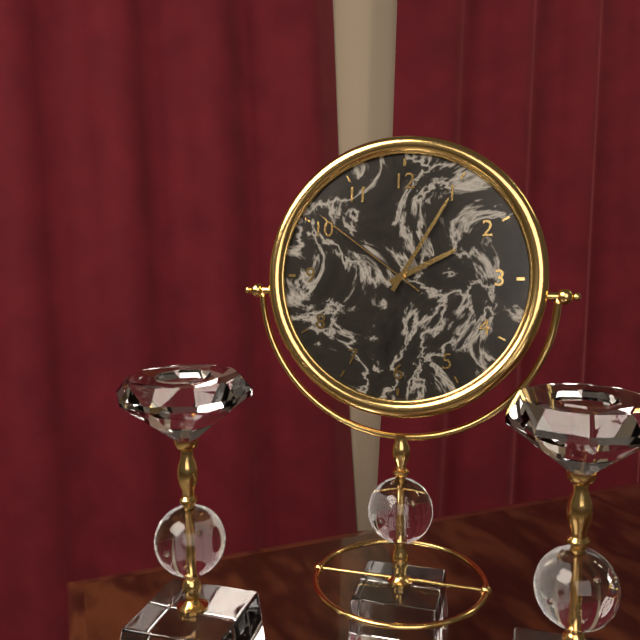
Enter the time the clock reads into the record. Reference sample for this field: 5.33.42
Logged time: 2.05.51
